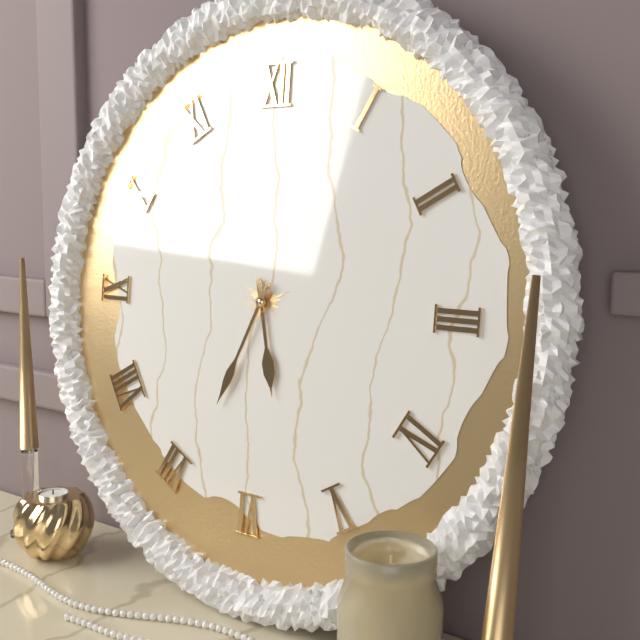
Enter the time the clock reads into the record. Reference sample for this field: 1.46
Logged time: 5.34
